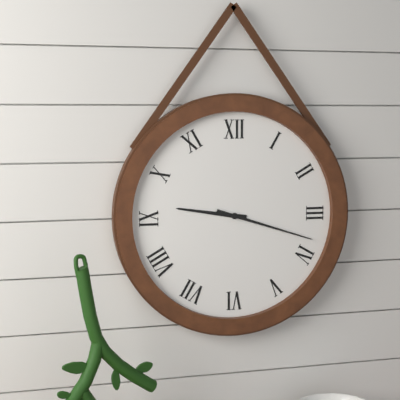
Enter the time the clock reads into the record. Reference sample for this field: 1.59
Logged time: 9.18
